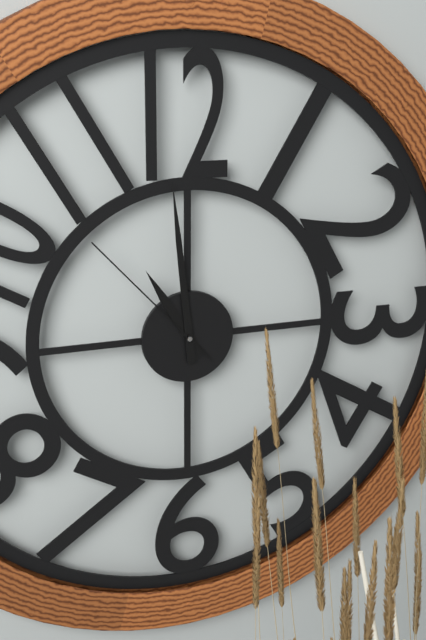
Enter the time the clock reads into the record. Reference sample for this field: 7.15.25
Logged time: 10.59.53
